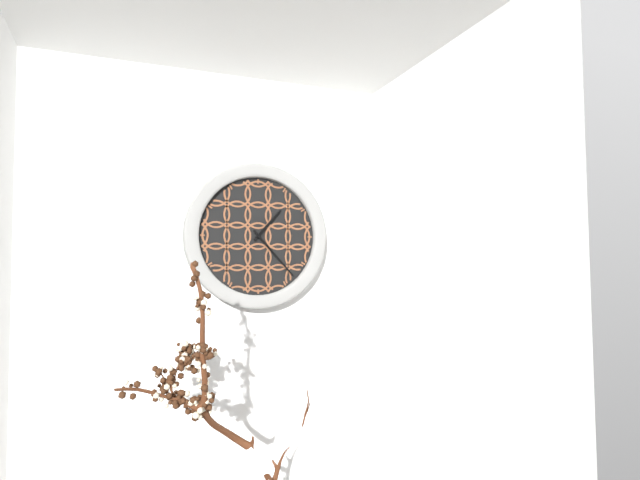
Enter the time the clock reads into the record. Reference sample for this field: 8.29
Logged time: 1.23
